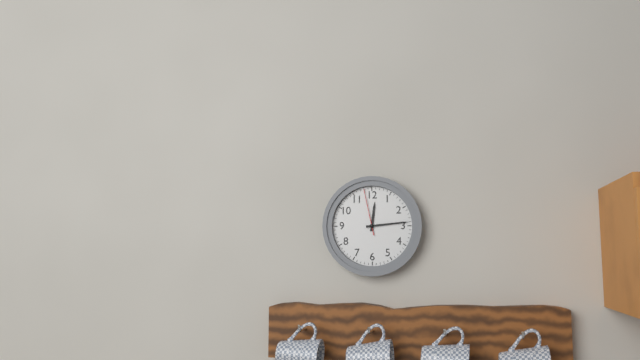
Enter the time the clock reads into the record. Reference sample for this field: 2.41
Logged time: 12.14
